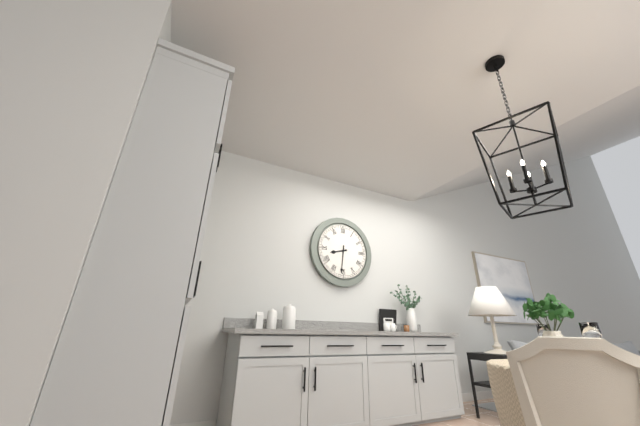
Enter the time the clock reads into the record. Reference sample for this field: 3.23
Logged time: 8.31
